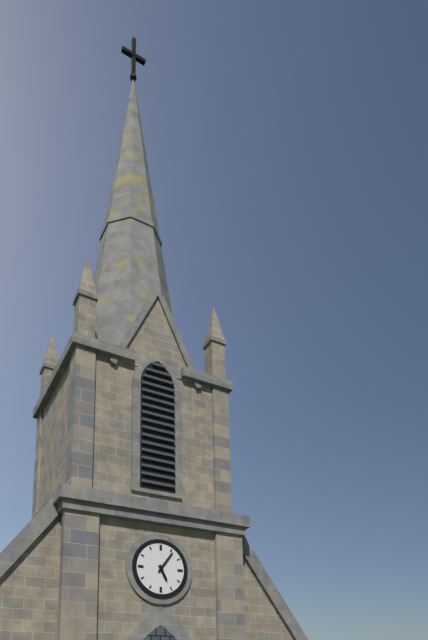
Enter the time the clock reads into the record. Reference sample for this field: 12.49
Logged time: 5.06
